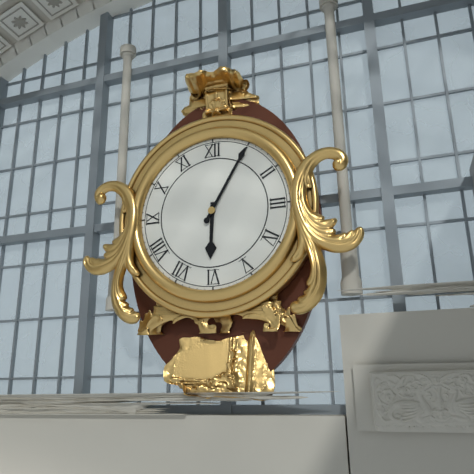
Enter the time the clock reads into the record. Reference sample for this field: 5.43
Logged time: 6.05
